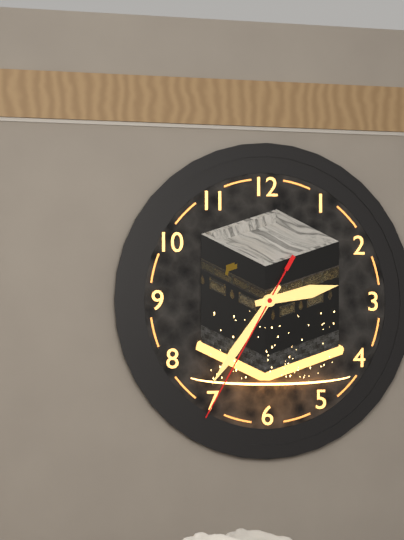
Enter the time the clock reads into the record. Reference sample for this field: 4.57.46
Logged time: 2.36.35
